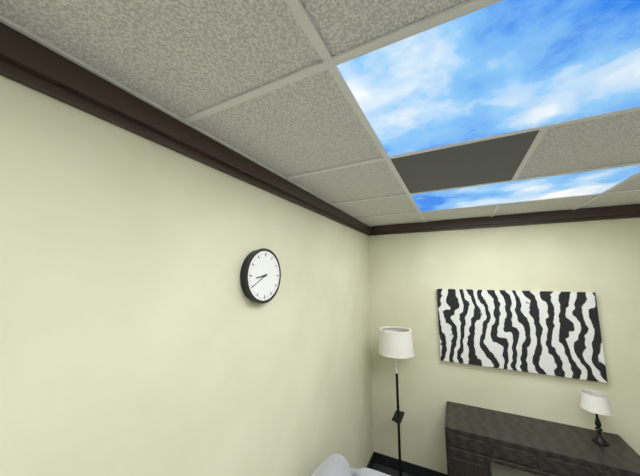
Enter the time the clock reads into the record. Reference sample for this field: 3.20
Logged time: 8.40
